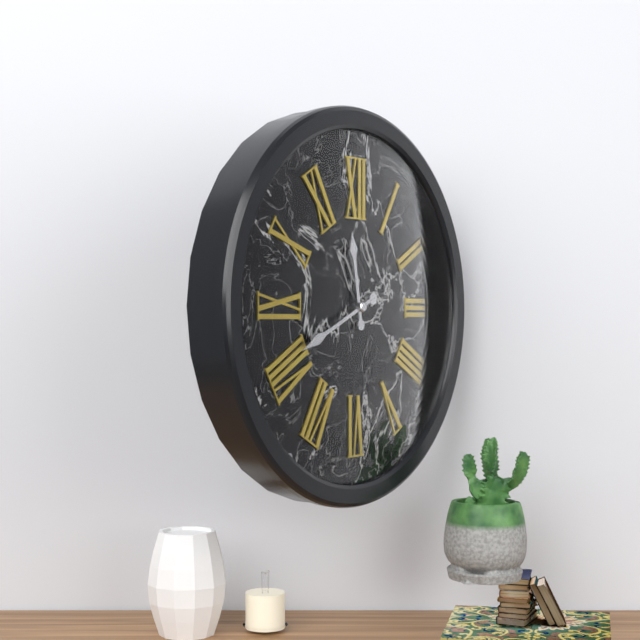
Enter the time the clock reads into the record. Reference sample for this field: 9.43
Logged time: 11.41
